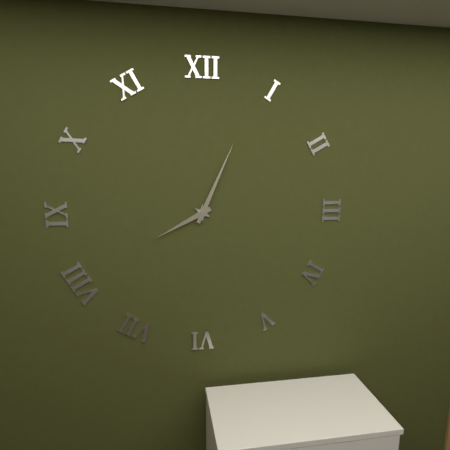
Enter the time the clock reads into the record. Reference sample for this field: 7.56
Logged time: 8.04
